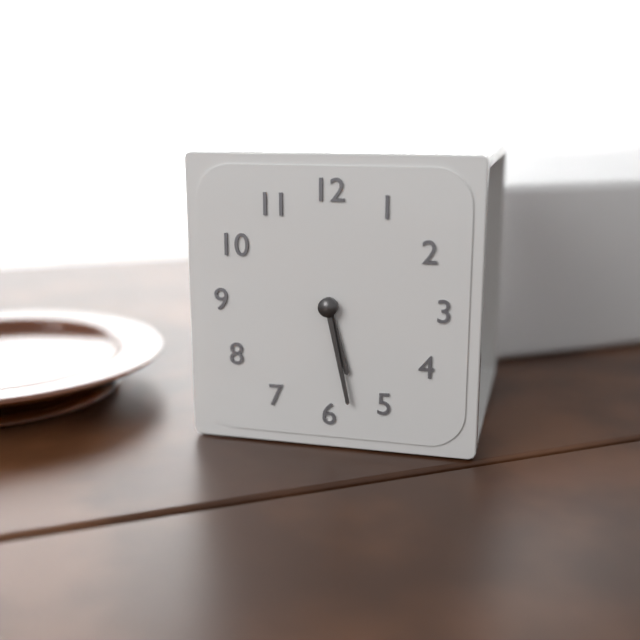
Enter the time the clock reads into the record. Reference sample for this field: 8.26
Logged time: 5.28
